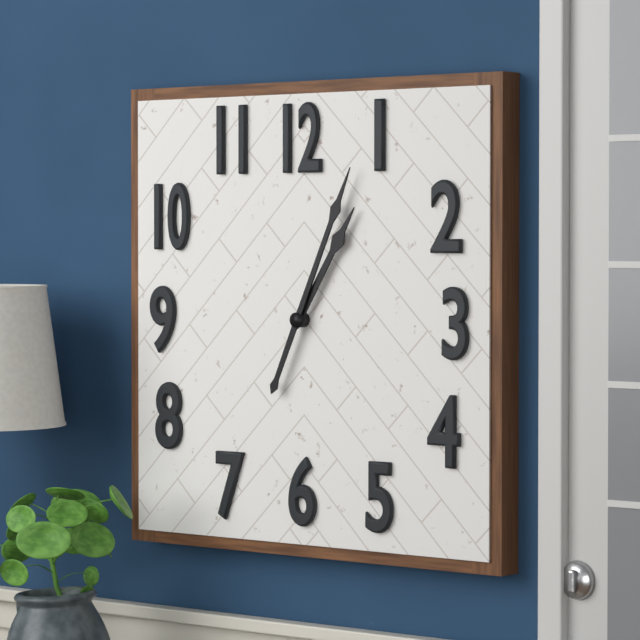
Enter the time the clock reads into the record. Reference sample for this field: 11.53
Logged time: 1.04
